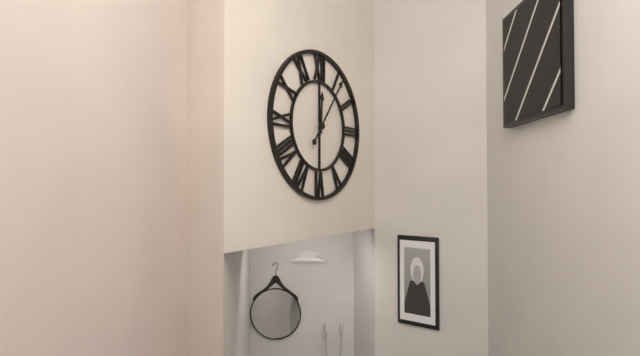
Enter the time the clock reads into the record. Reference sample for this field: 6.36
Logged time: 12.06
